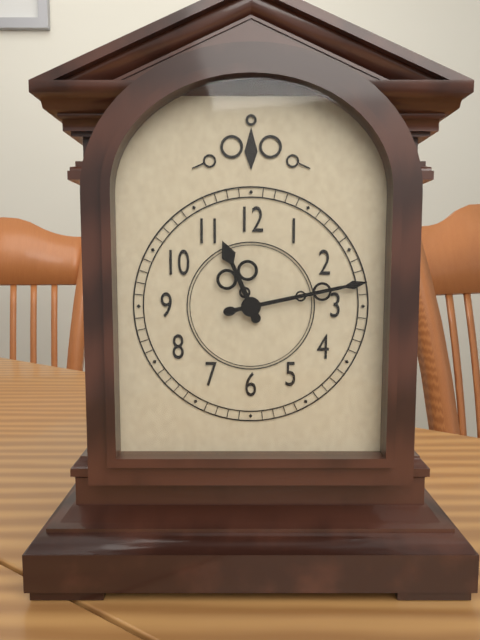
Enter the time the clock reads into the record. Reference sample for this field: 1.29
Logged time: 11.13
